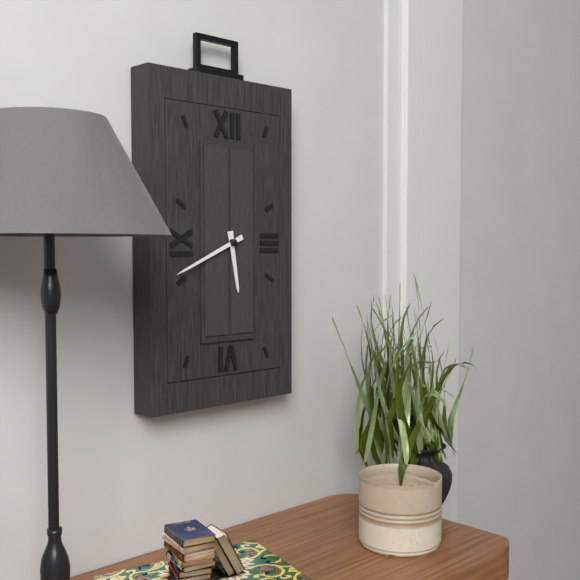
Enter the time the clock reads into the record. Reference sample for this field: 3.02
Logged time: 5.41
